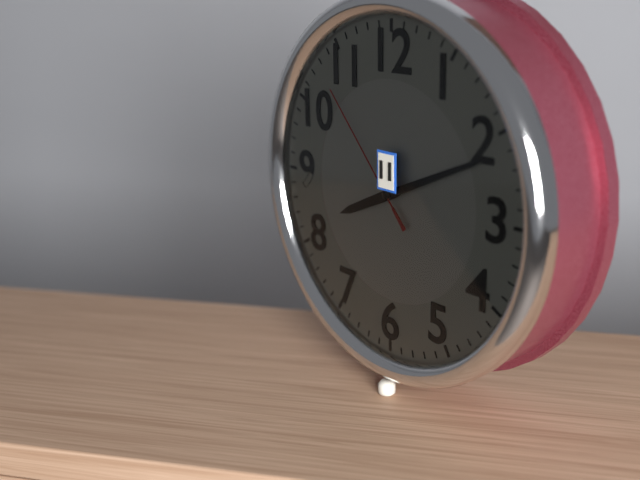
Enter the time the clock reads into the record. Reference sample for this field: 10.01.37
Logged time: 8.11.53
